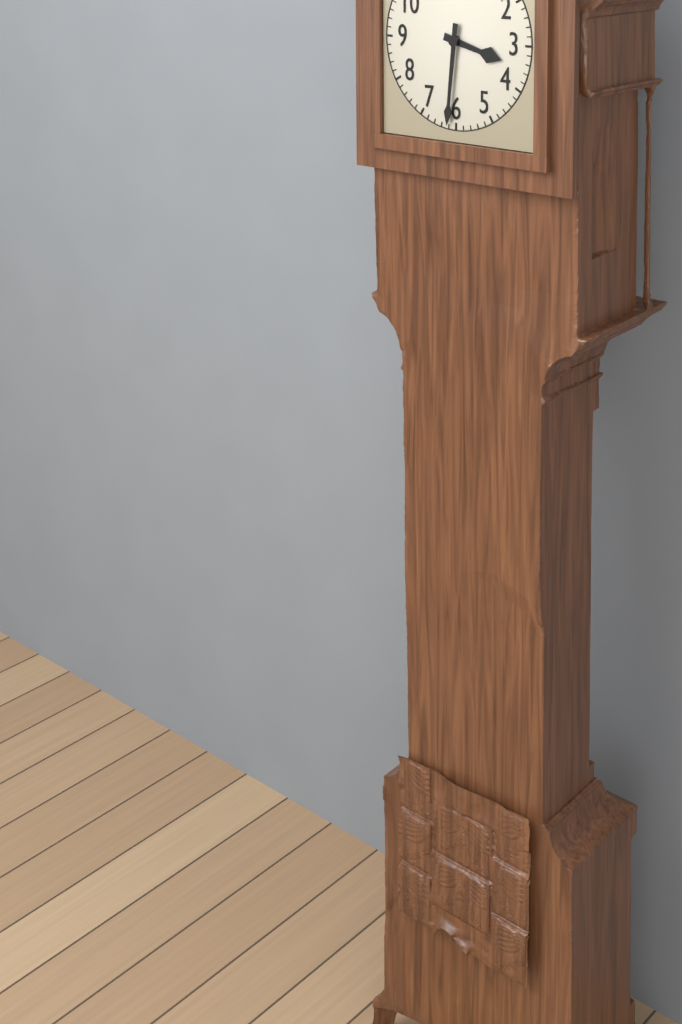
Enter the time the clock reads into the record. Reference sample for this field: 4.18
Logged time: 3.31
